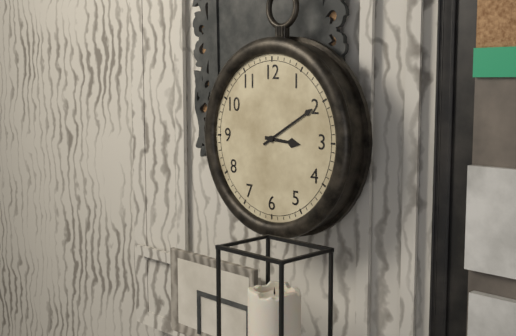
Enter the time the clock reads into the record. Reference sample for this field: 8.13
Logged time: 3.10
